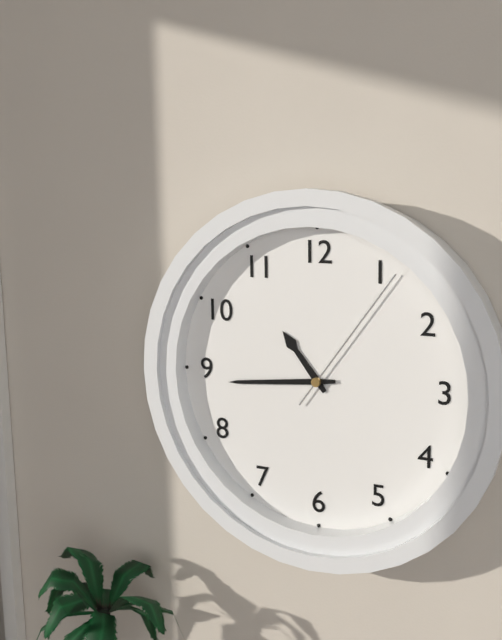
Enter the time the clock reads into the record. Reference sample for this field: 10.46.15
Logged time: 10.44.06
